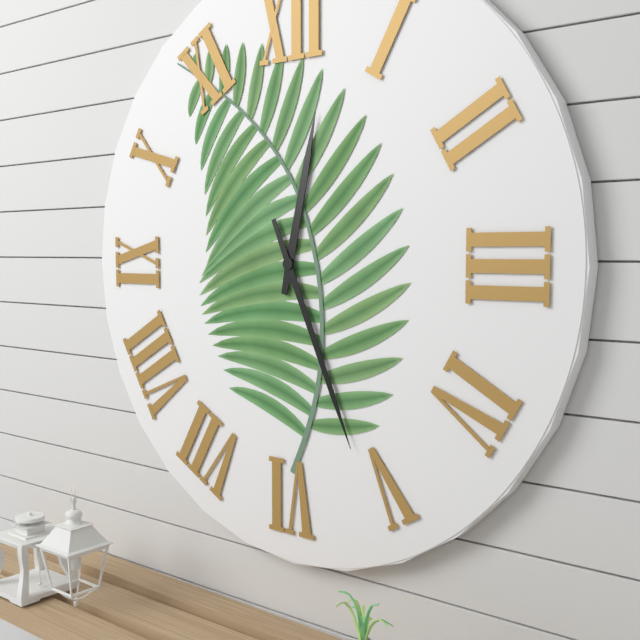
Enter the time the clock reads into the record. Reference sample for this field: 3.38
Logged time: 12.26
